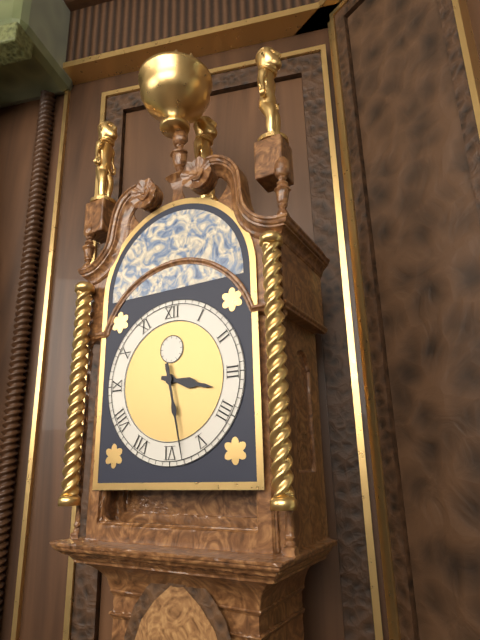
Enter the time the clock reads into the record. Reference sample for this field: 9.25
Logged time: 3.28
